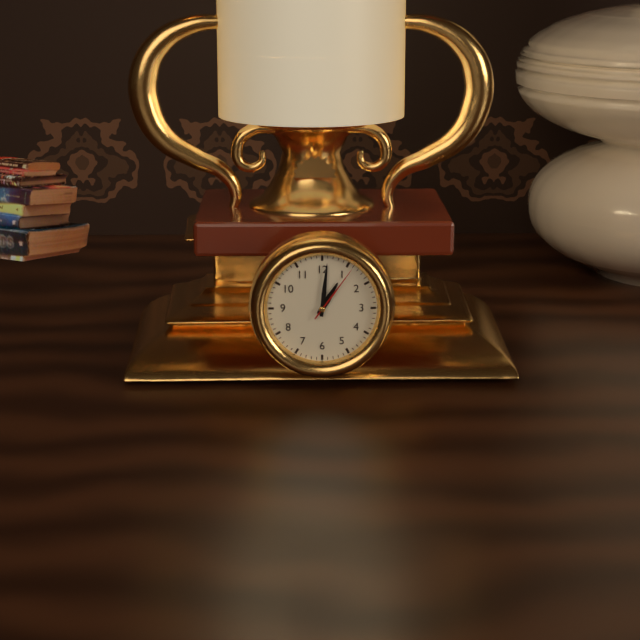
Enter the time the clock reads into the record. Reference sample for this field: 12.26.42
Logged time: 1.01.06
